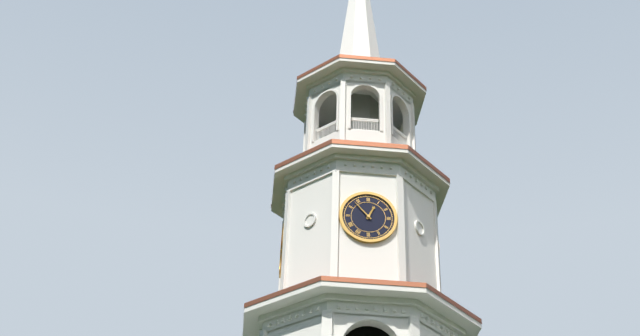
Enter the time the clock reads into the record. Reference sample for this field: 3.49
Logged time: 12.53
